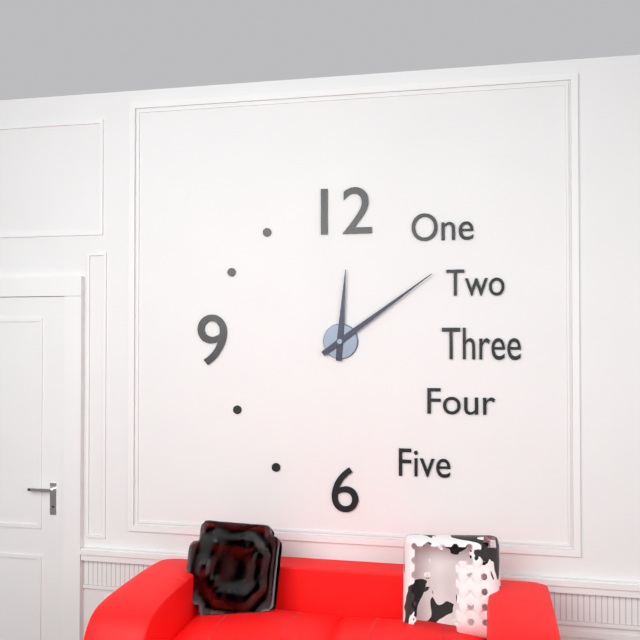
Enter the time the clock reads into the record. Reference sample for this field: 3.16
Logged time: 12.09
